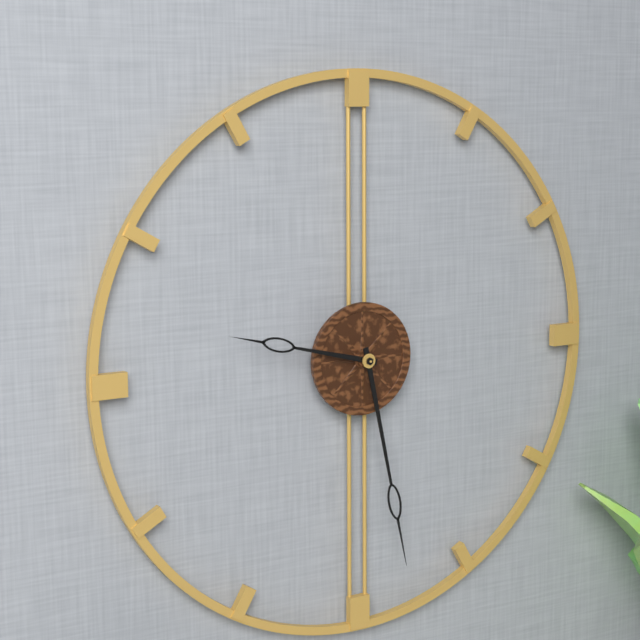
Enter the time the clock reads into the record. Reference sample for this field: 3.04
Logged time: 9.28
